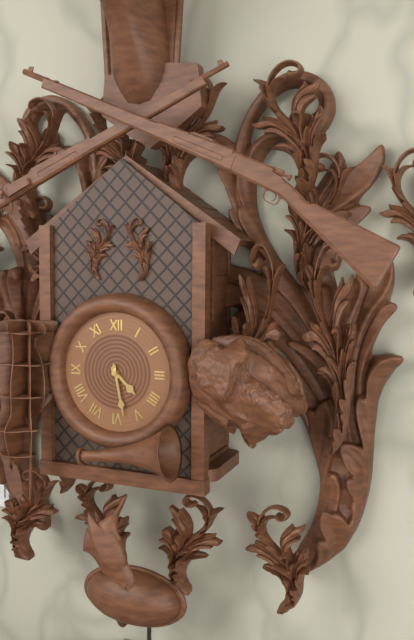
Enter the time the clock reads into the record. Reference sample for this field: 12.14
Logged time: 4.28
